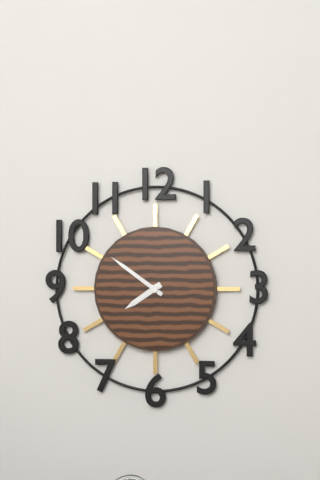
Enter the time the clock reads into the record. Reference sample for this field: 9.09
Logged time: 7.51
